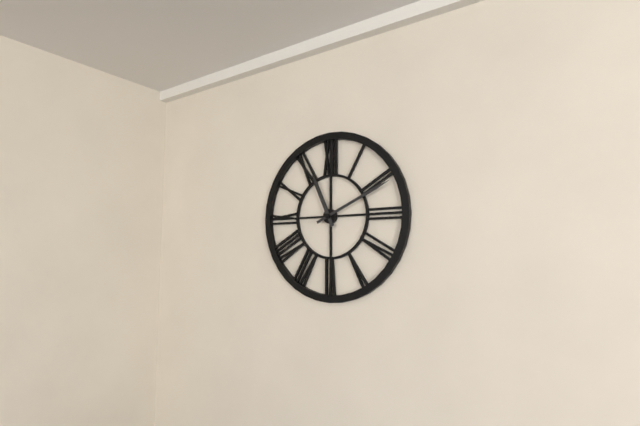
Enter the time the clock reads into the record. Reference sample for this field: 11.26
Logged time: 11.11
